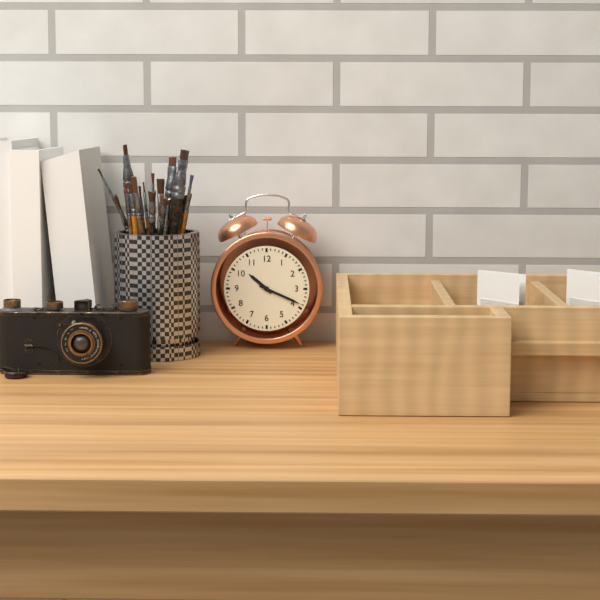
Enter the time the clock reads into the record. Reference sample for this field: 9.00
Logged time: 10.19
